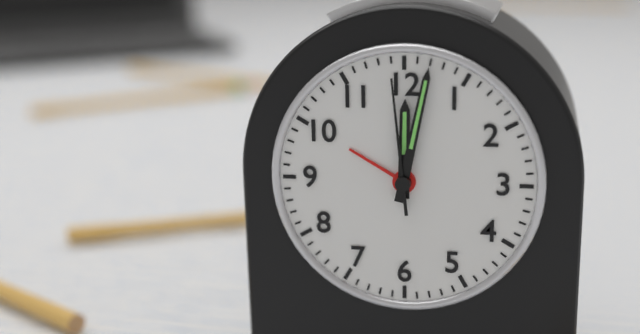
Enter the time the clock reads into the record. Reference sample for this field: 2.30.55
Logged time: 12.02.59
